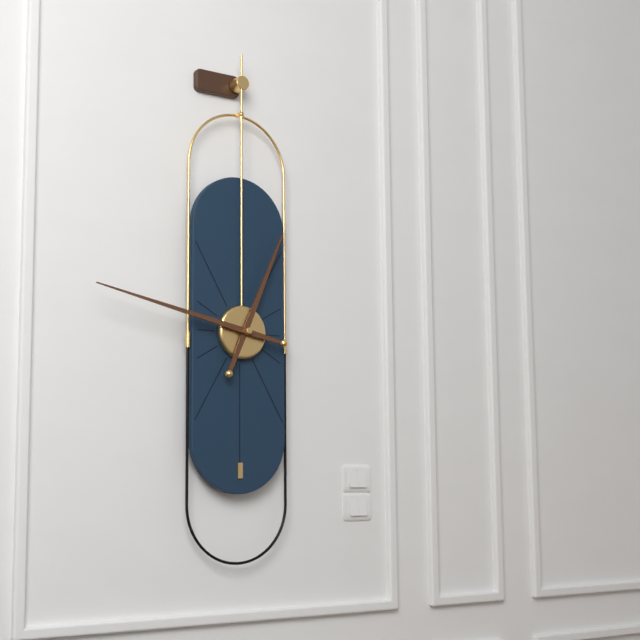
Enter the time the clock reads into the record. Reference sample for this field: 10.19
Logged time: 12.47
